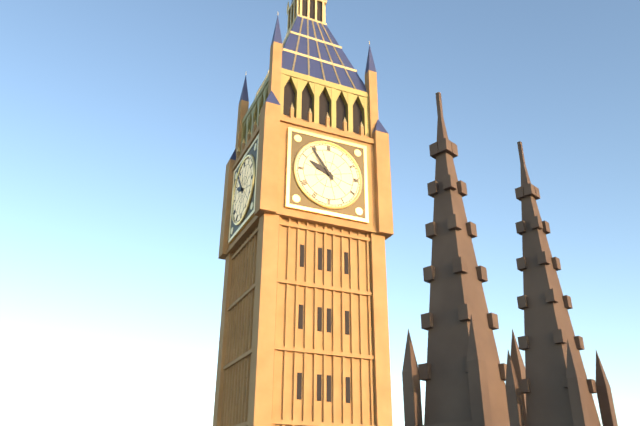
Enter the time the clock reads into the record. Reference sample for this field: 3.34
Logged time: 9.54
